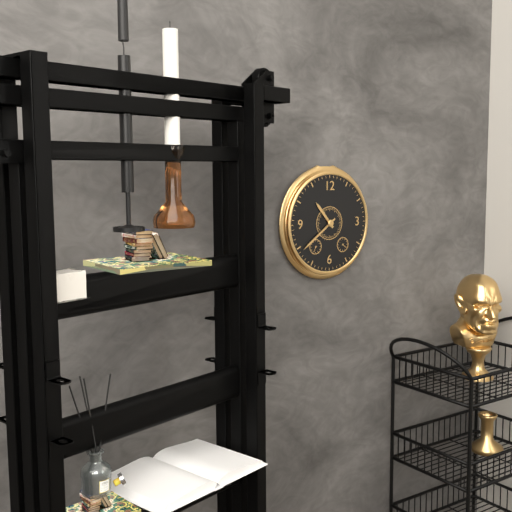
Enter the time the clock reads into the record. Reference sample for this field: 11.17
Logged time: 10.39
